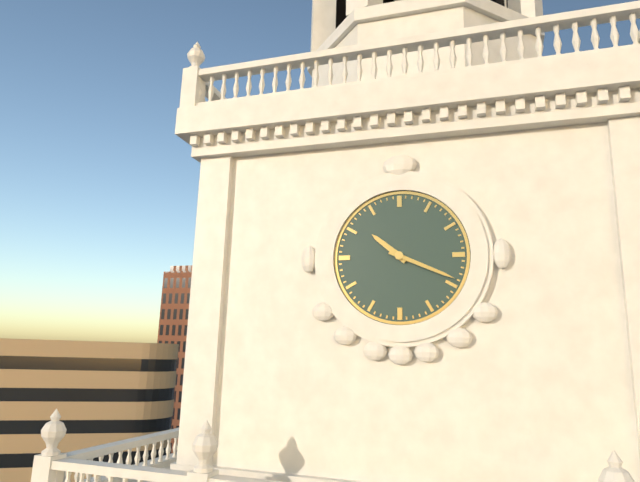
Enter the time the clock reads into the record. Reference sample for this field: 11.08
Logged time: 10.19
